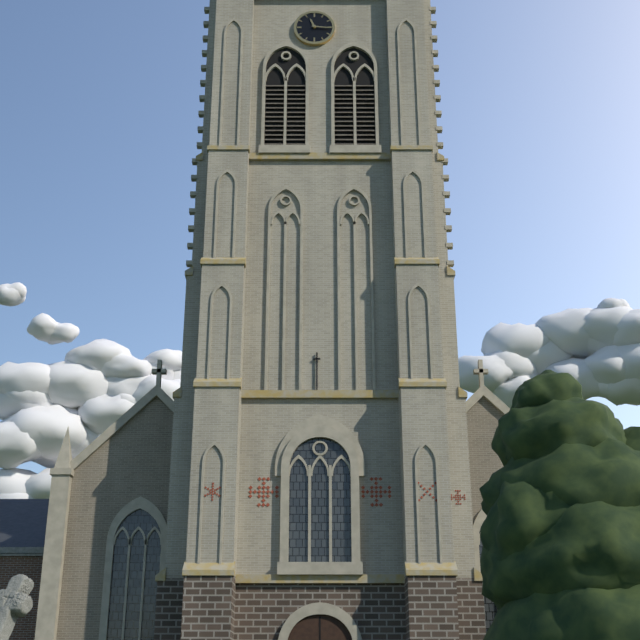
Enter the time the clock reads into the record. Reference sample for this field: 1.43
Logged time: 11.16
